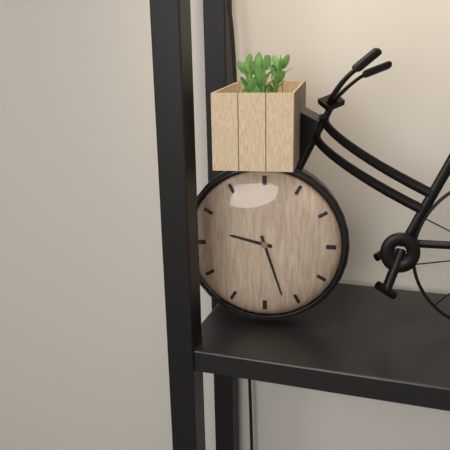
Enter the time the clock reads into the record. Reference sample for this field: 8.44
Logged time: 9.27
